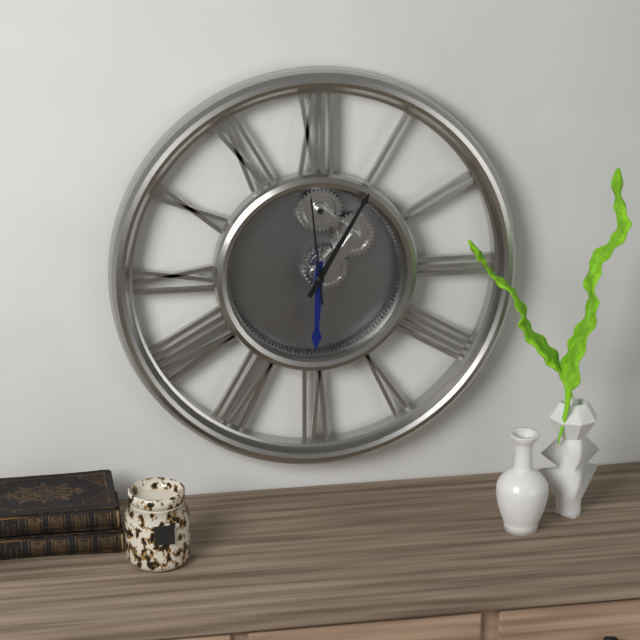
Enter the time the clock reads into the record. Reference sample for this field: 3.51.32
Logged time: 6.05.59
